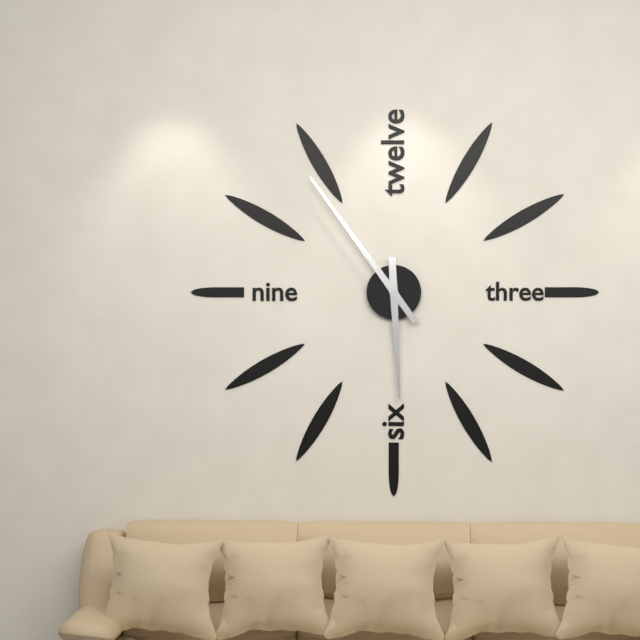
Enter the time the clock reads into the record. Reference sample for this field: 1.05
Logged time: 5.54
